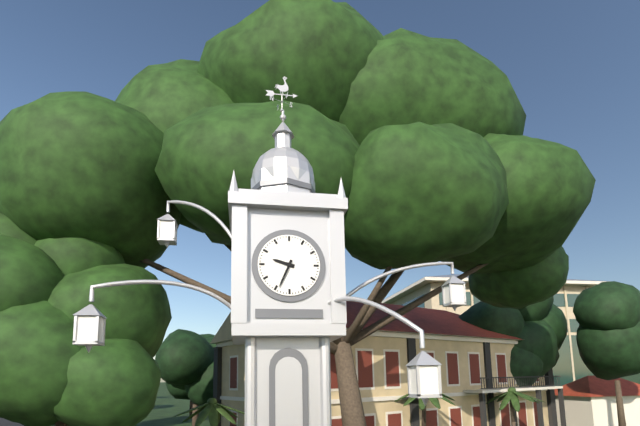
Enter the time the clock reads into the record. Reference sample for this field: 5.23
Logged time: 9.34
